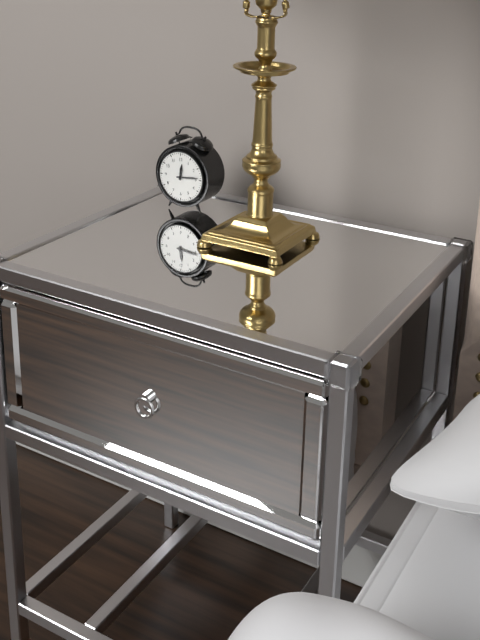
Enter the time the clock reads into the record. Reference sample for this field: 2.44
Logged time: 12.14
